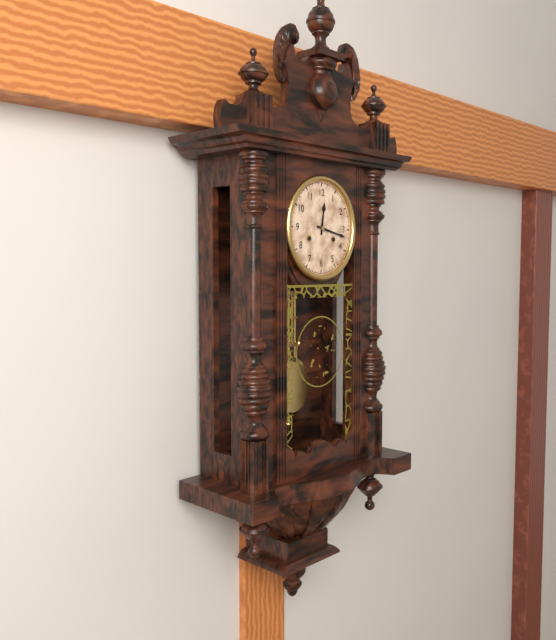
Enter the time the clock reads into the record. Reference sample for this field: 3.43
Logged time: 12.17
